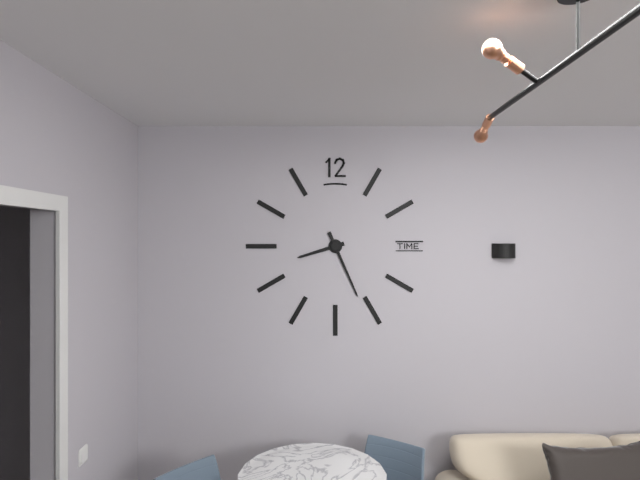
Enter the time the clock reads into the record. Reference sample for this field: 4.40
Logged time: 8.26
